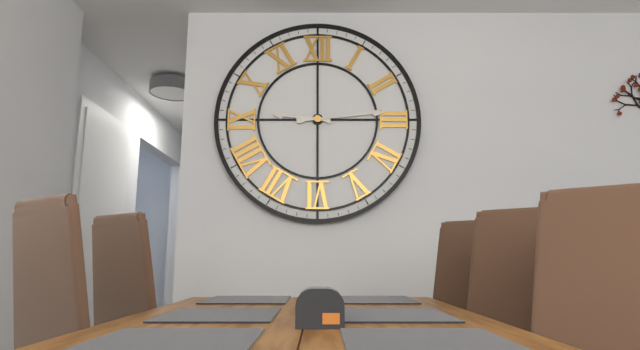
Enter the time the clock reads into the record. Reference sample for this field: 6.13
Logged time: 9.14
